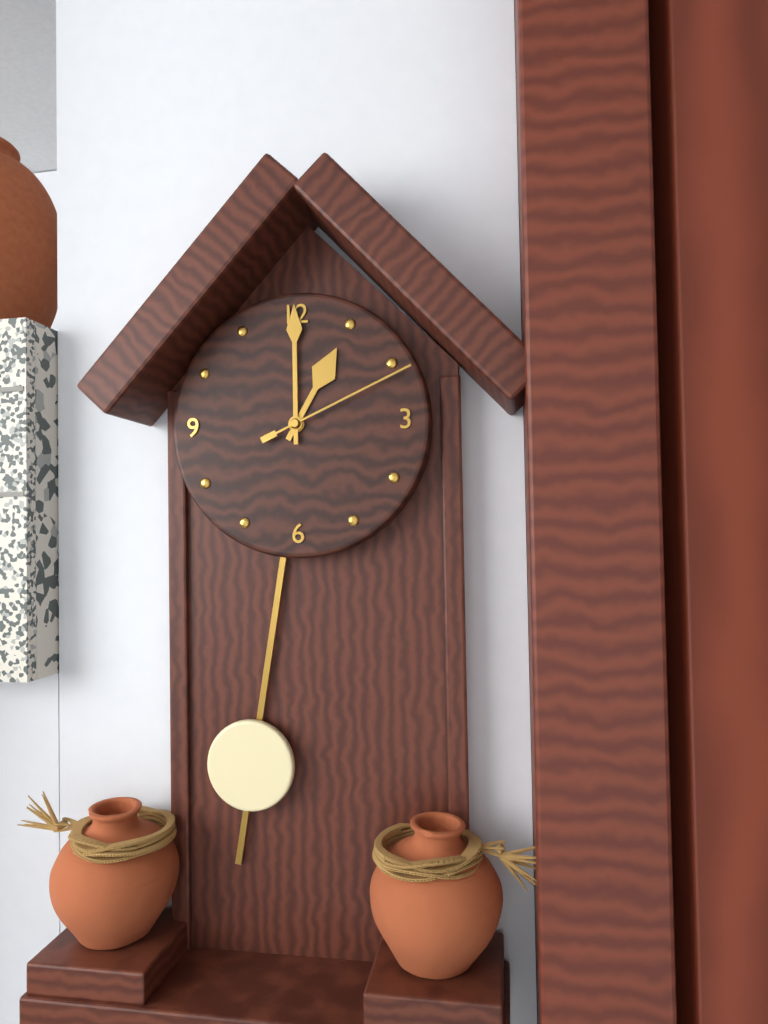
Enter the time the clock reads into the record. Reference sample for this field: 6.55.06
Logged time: 1.00.11
